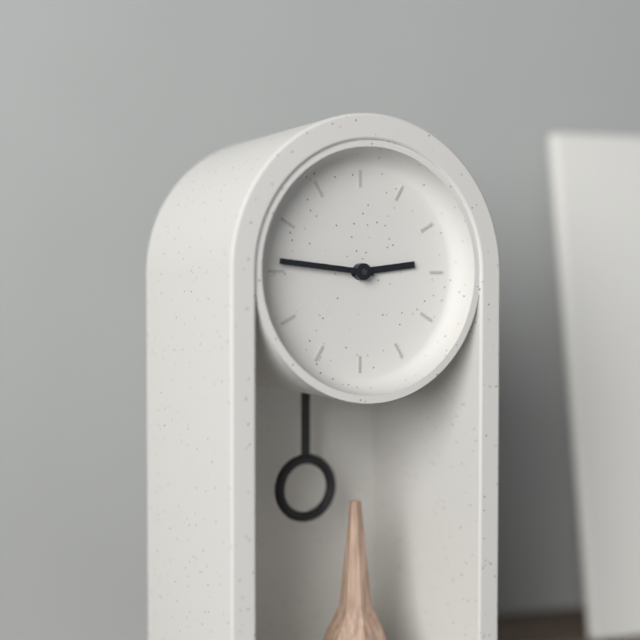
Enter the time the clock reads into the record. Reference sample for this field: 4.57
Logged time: 2.46
